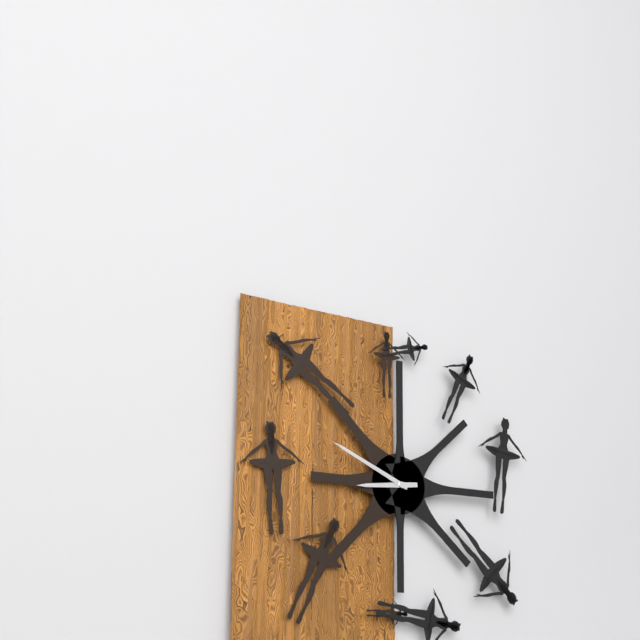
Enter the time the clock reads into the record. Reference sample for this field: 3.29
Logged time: 8.49
